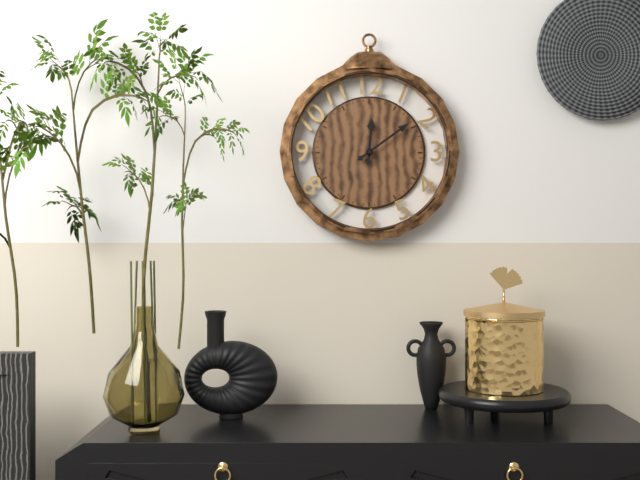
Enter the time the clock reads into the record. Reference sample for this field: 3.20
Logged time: 12.09
